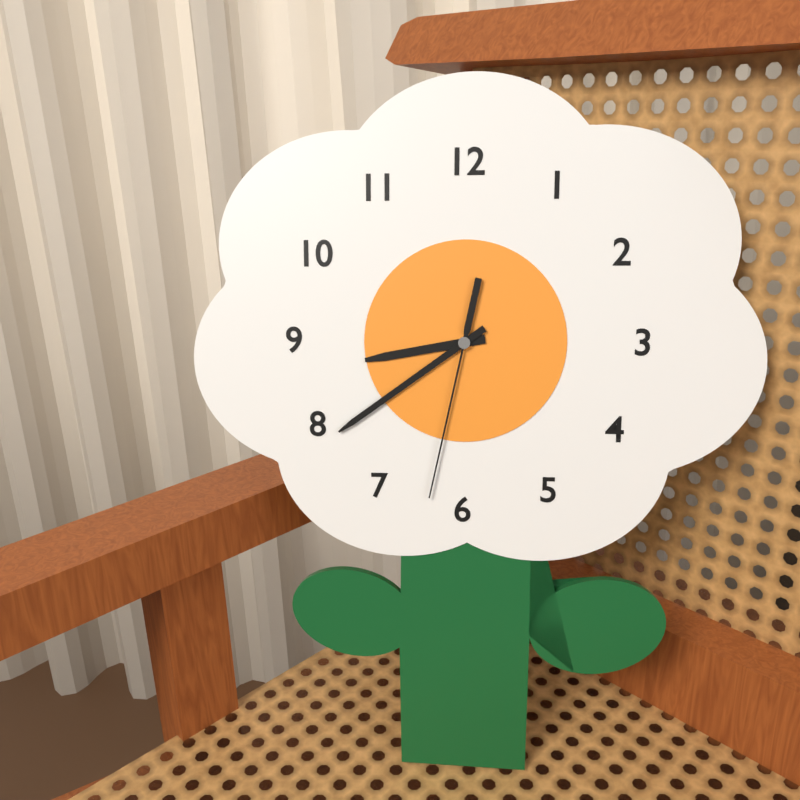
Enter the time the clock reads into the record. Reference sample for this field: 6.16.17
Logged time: 8.39.32
